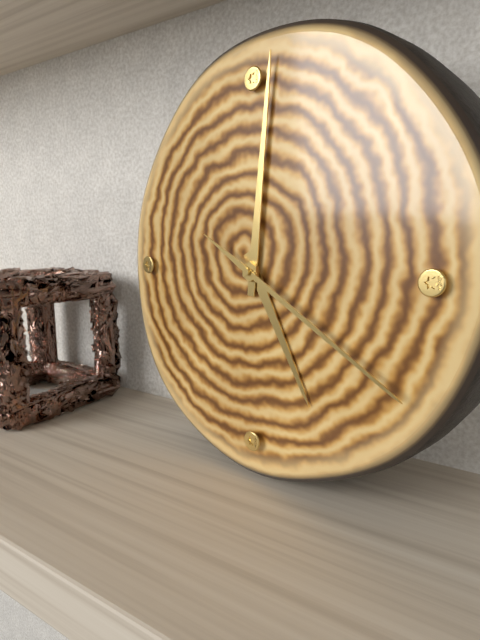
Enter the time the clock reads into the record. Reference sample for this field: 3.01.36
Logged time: 5.01.20
